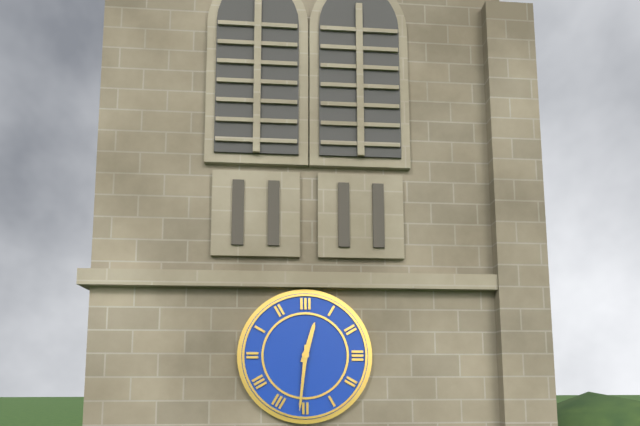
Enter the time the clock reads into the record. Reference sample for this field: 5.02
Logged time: 12.31
